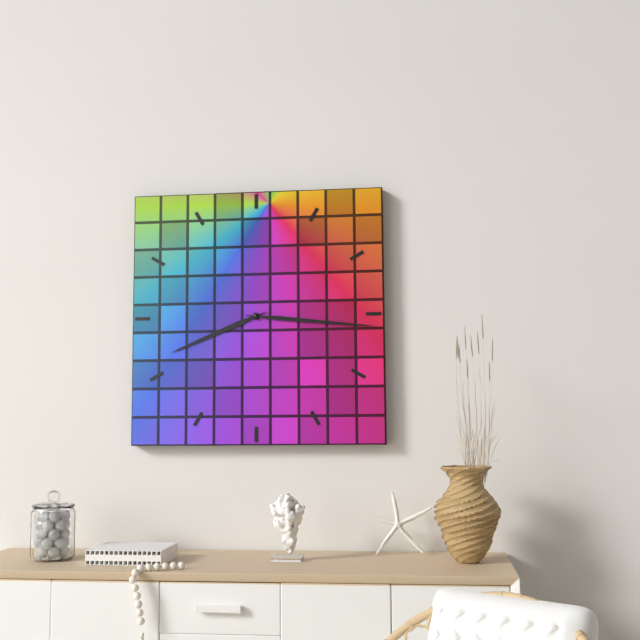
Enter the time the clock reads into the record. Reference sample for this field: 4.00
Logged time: 8.16
